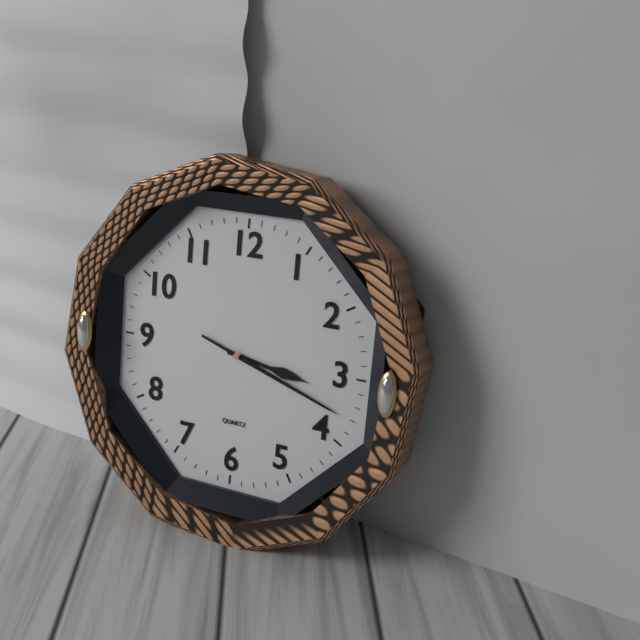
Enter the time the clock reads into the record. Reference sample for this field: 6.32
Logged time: 3.18
